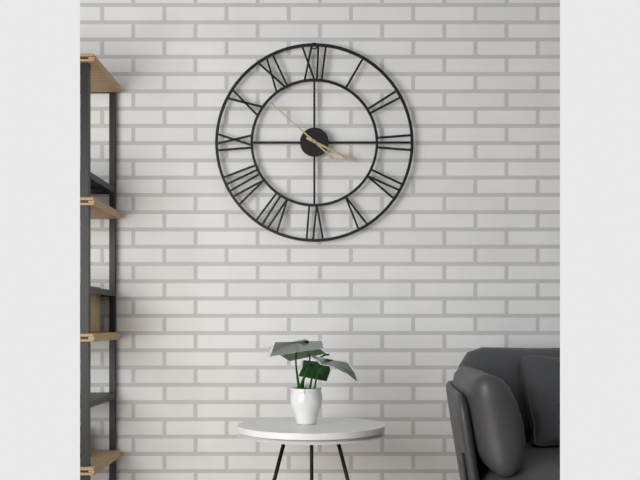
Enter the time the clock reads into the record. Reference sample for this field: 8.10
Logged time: 3.52
